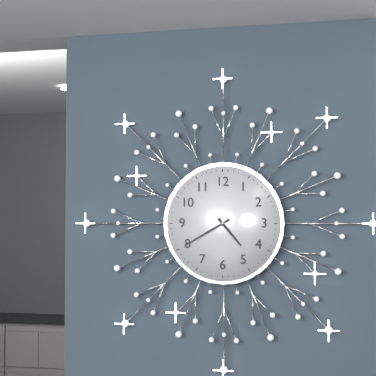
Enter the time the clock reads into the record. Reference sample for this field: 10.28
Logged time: 4.40
